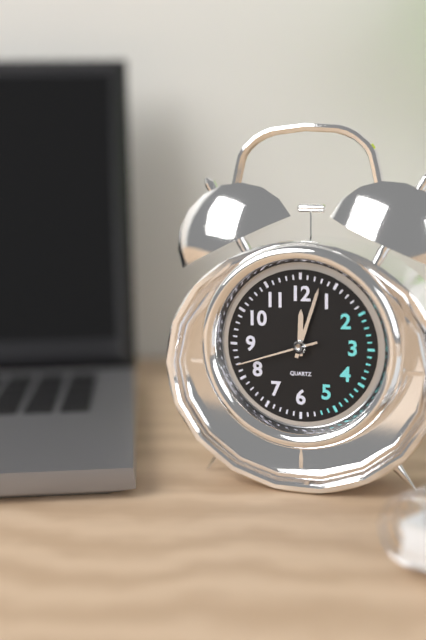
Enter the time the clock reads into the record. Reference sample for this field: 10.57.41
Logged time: 12.03.42
